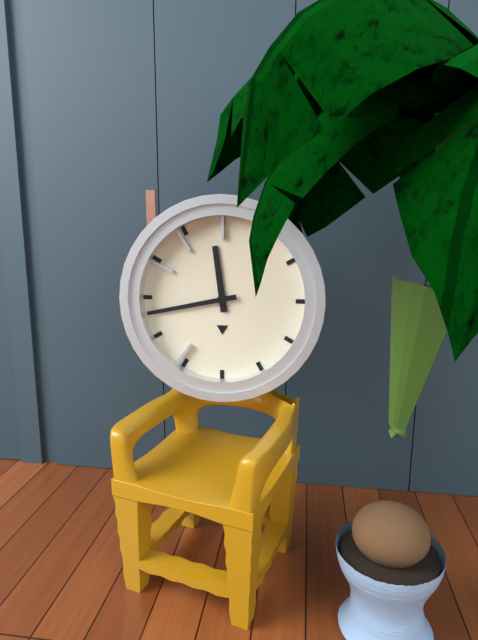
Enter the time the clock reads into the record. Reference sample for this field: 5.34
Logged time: 11.43
